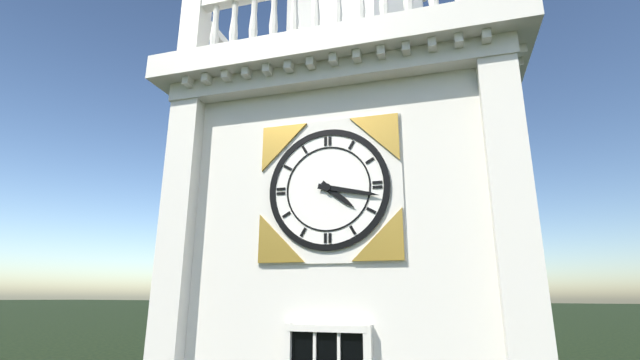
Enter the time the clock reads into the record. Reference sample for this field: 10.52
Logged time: 4.17
